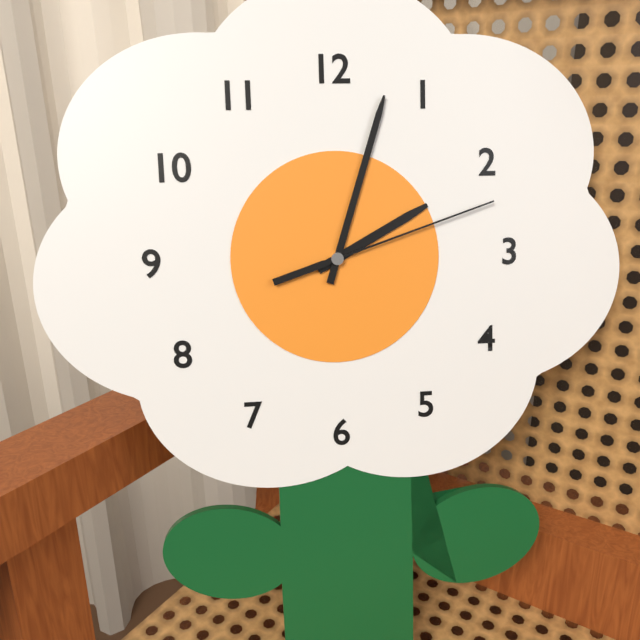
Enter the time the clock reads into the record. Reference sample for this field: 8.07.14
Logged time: 2.03.12
